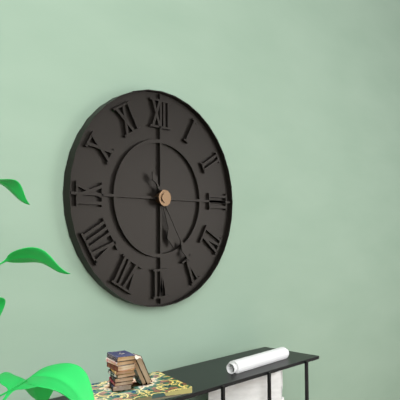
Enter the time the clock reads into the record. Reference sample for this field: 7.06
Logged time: 5.25
